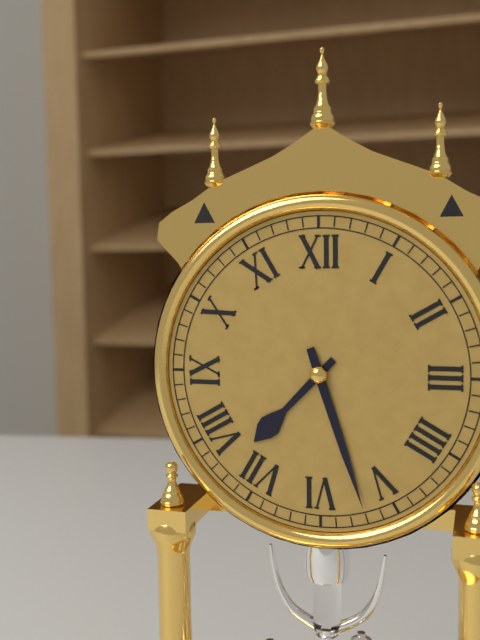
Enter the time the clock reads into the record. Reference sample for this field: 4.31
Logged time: 7.27
